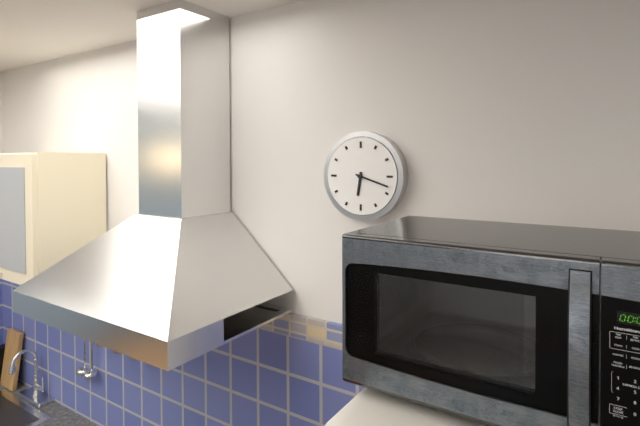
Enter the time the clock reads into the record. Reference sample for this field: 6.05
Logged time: 6.18
